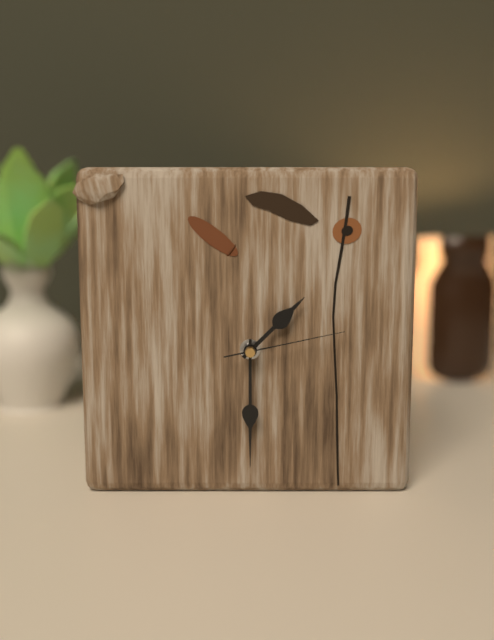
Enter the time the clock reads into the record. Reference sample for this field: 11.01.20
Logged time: 1.30.13
